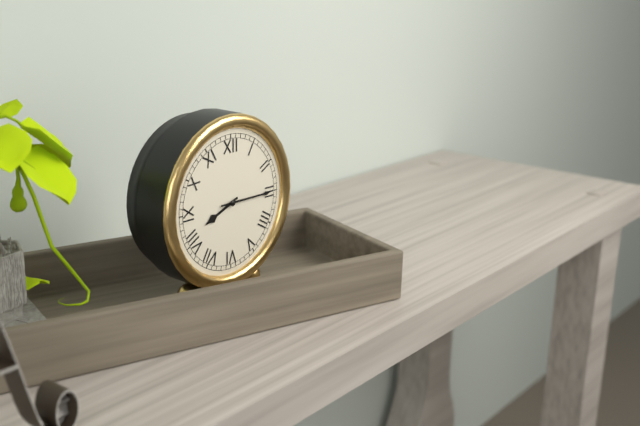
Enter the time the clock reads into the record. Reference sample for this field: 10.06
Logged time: 8.15
